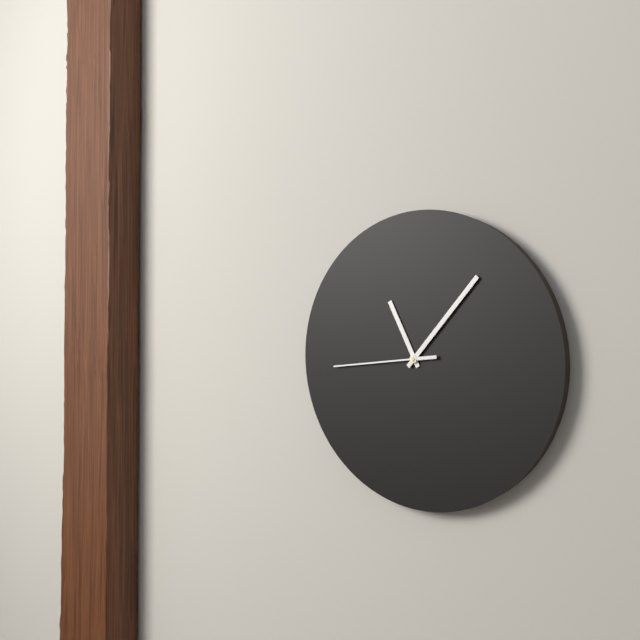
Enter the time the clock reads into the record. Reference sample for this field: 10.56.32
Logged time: 11.07.44
